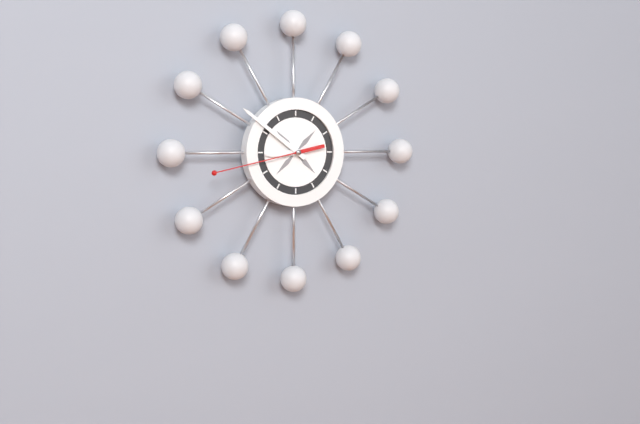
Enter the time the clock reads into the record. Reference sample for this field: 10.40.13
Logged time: 8.51.43
